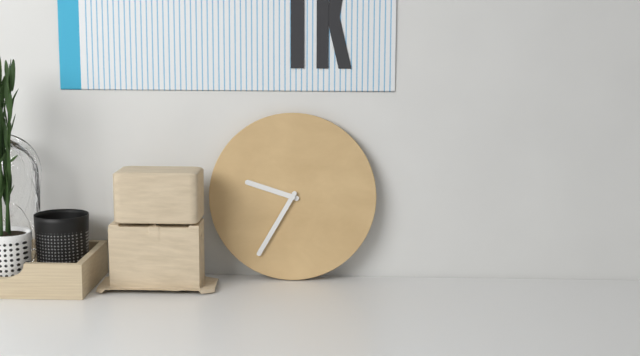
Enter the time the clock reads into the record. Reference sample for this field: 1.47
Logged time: 9.35
